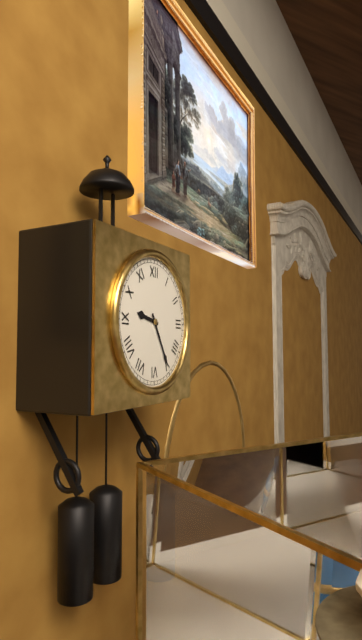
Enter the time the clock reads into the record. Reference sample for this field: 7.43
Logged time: 9.25
